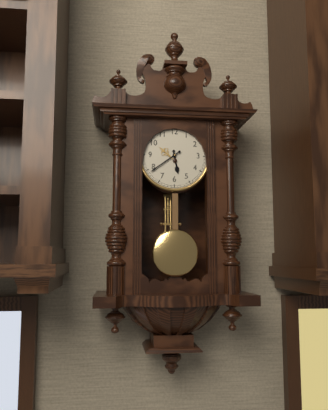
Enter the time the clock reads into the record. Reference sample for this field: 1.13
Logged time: 5.39
